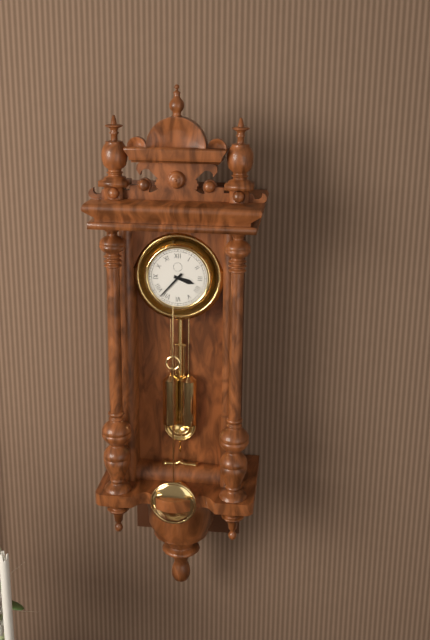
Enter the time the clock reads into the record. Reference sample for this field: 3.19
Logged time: 3.37
